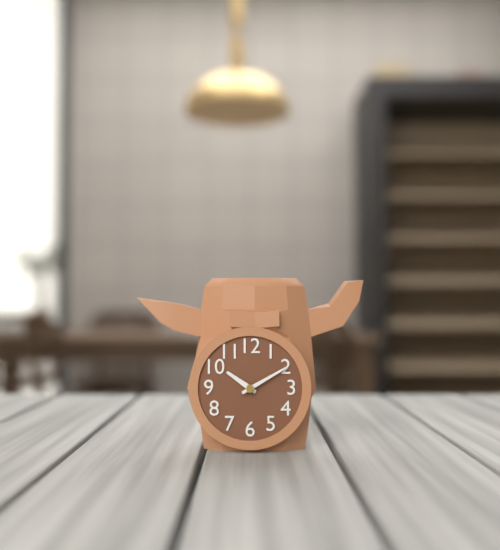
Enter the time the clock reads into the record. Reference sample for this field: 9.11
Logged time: 10.10
